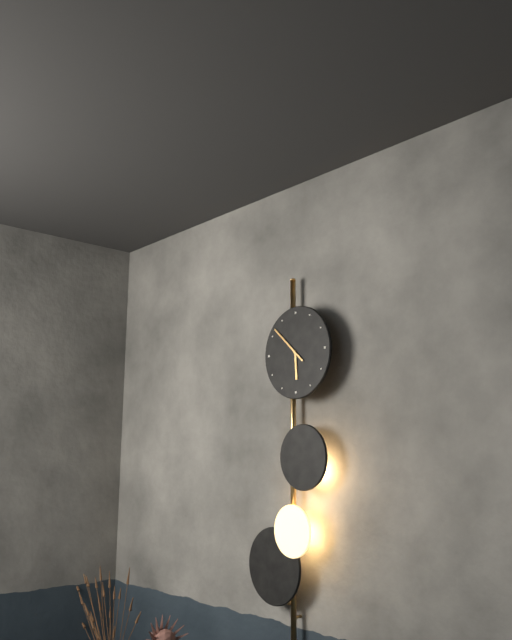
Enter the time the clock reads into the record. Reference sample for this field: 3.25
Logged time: 5.52
